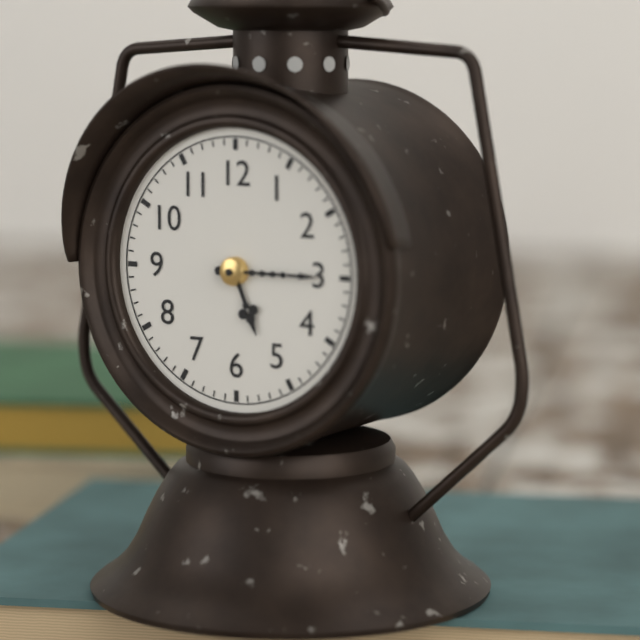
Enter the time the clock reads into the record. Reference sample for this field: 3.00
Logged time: 5.15
